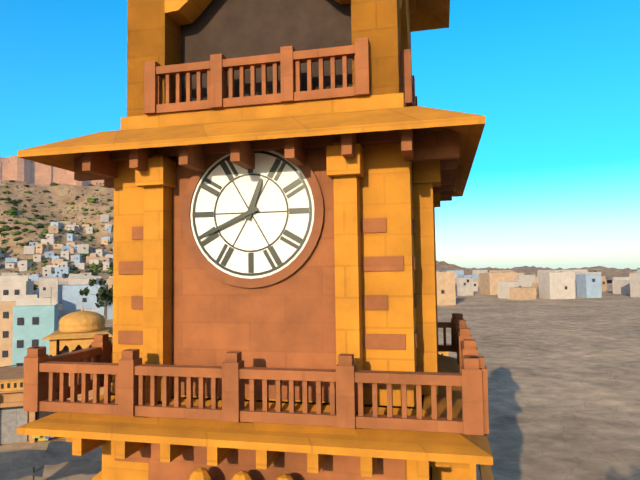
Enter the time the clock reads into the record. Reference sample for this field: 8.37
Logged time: 12.41
